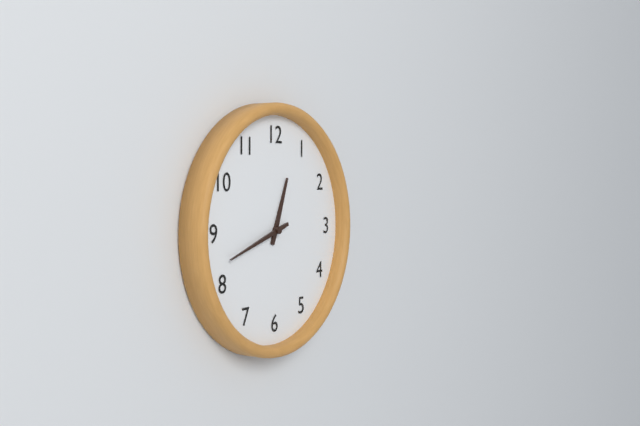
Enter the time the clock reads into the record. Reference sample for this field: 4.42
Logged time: 12.42
